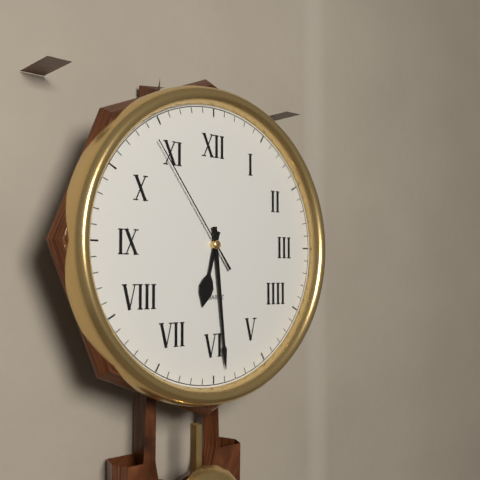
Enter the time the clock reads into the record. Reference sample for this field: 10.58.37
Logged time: 6.29.54
